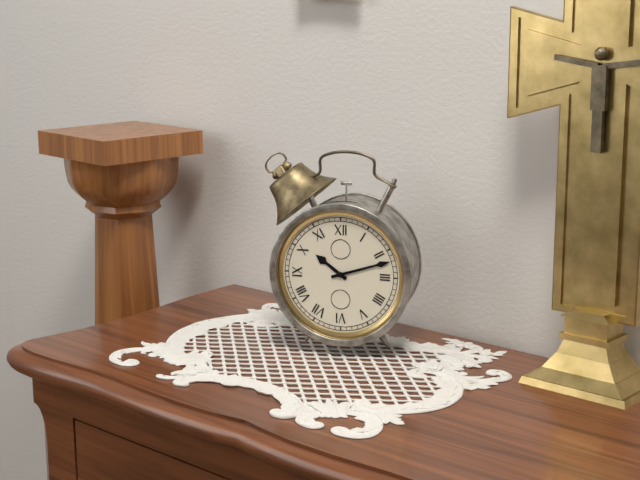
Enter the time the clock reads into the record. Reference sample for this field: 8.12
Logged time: 10.12
